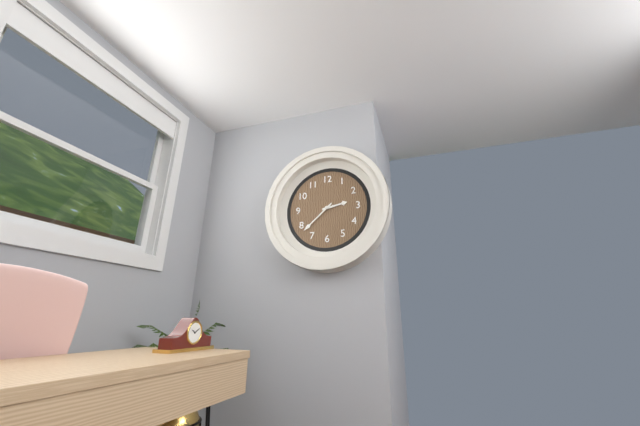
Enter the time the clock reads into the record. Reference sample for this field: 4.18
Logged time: 2.38
